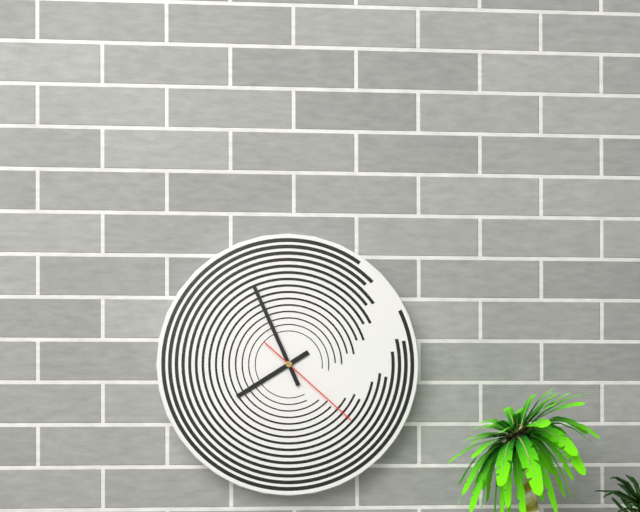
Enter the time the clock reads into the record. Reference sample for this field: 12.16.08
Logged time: 7.56.22
